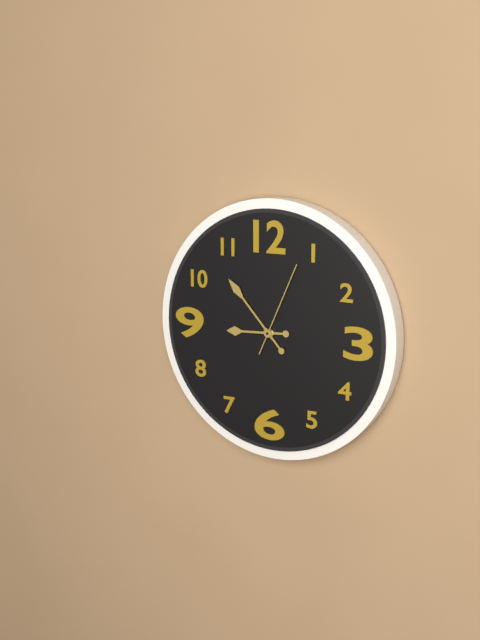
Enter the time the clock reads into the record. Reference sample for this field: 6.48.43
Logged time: 8.53.04
